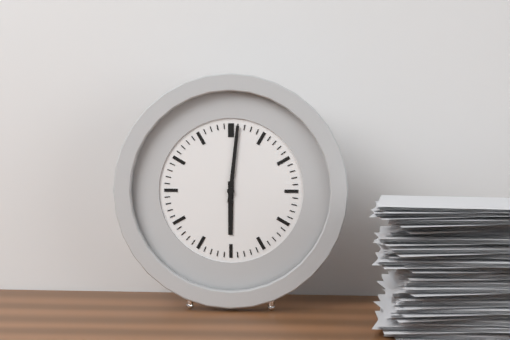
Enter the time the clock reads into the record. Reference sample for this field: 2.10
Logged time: 6.01
